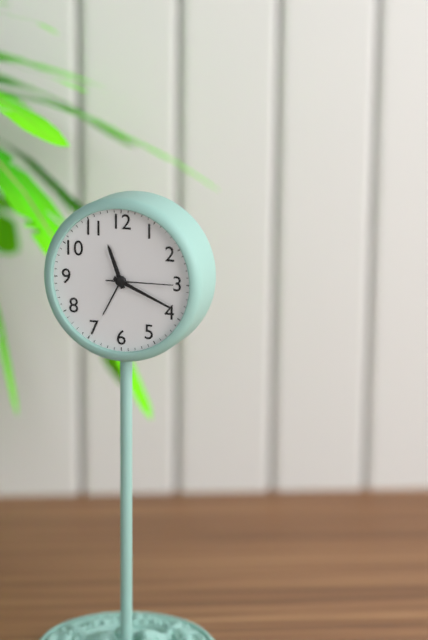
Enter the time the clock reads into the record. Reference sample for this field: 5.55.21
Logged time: 11.19.15
